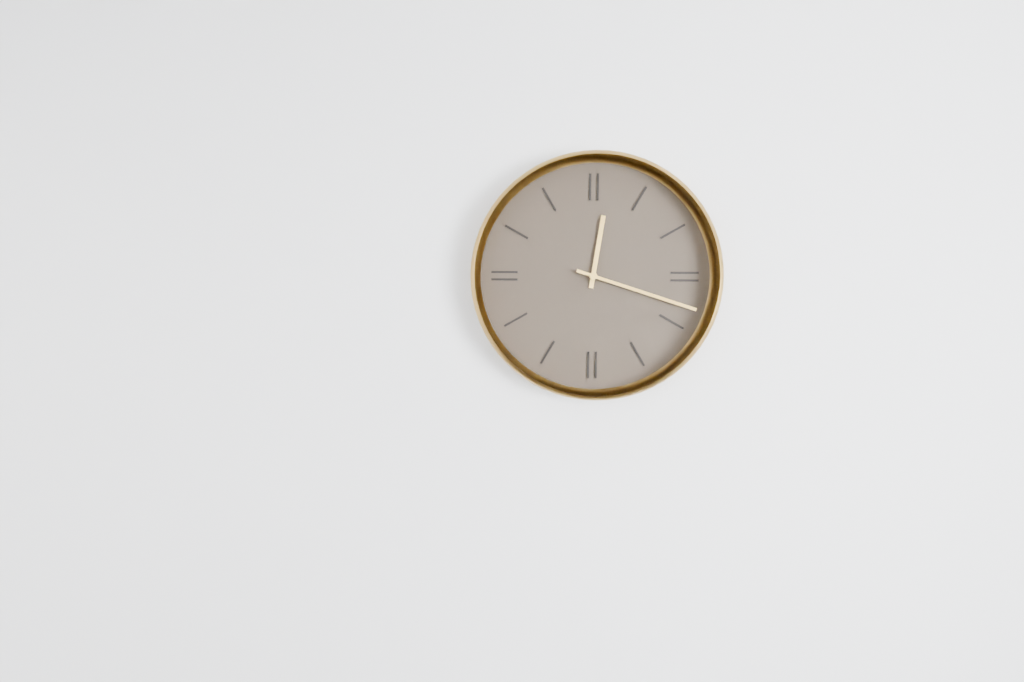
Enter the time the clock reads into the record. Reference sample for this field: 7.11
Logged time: 12.18
